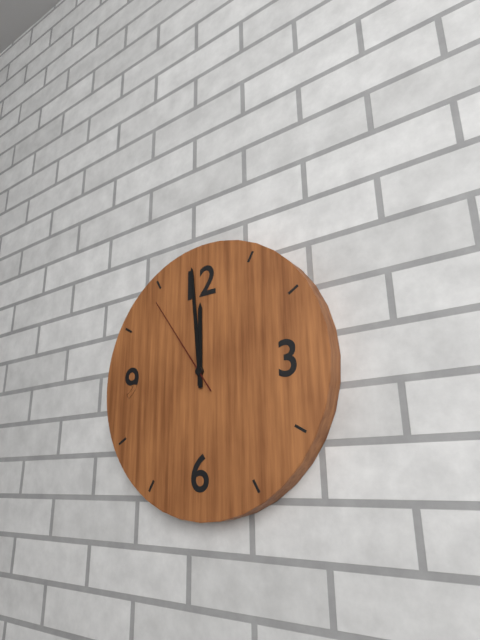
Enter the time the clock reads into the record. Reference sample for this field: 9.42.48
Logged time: 11.59.54
